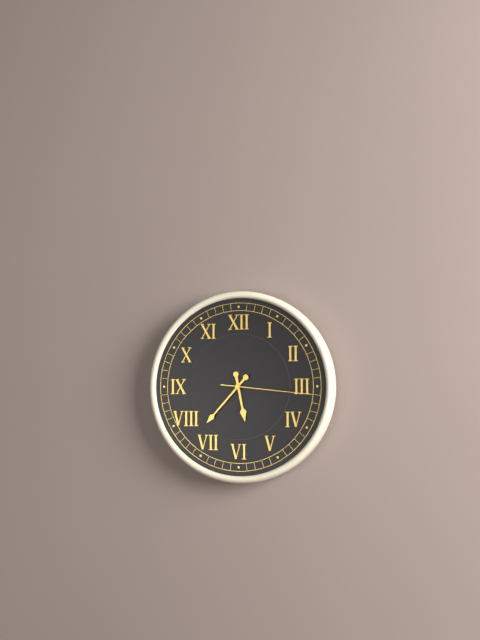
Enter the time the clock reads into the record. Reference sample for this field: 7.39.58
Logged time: 5.37.16
